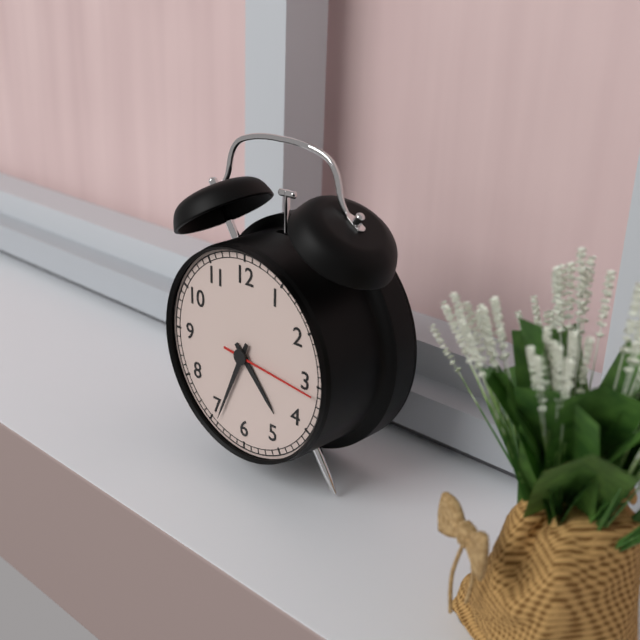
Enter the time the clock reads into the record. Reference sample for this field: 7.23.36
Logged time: 4.34.16
